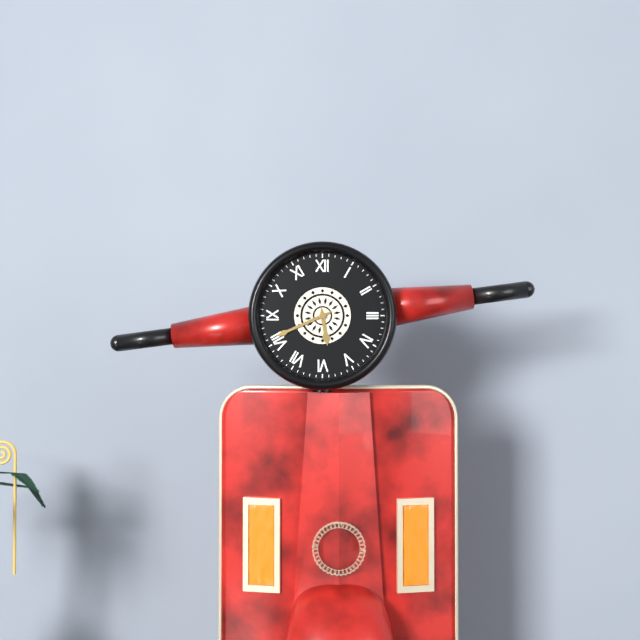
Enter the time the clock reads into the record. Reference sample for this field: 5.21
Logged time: 5.41
